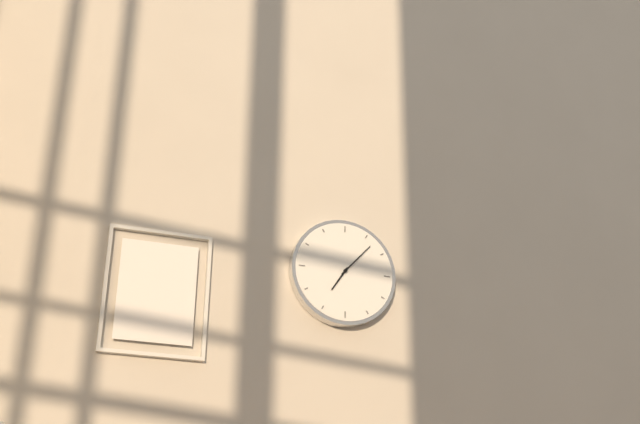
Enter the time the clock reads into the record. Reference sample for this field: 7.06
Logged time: 7.07
